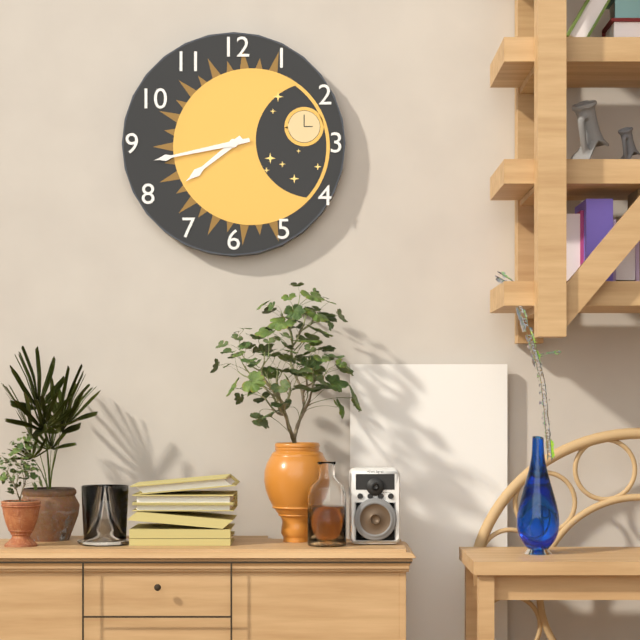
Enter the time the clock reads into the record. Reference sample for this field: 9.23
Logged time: 7.43
